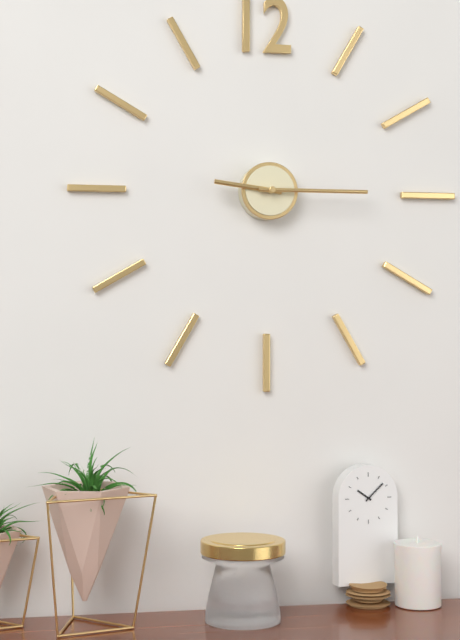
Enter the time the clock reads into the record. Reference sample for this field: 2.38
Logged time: 9.15
